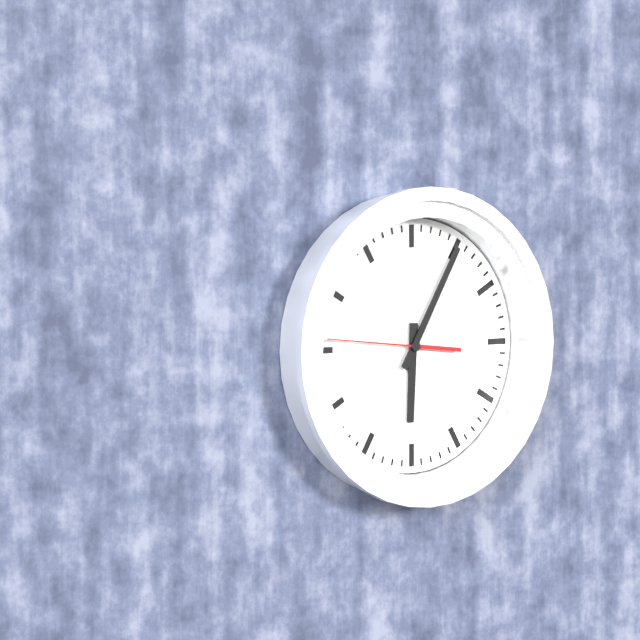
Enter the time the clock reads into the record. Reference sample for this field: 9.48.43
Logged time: 6.05.46
